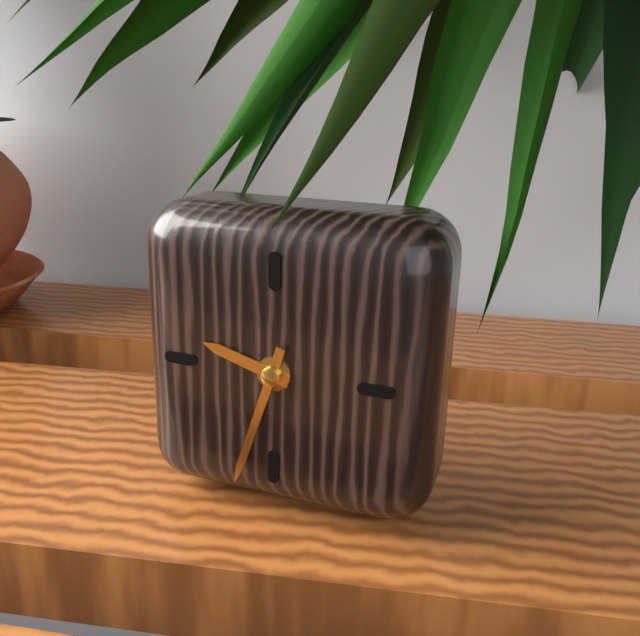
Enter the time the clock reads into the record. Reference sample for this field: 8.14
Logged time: 9.33
